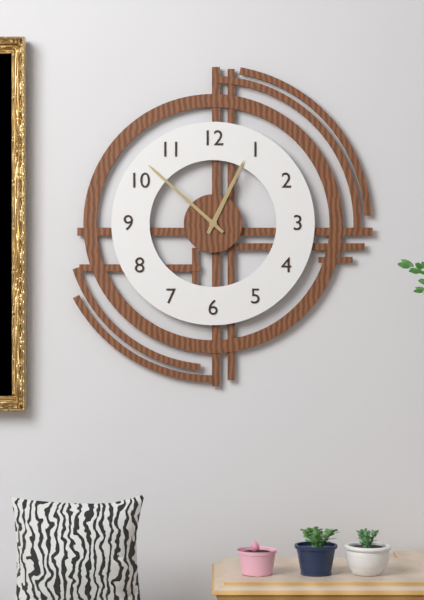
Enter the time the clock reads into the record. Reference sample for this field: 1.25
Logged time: 12.52
